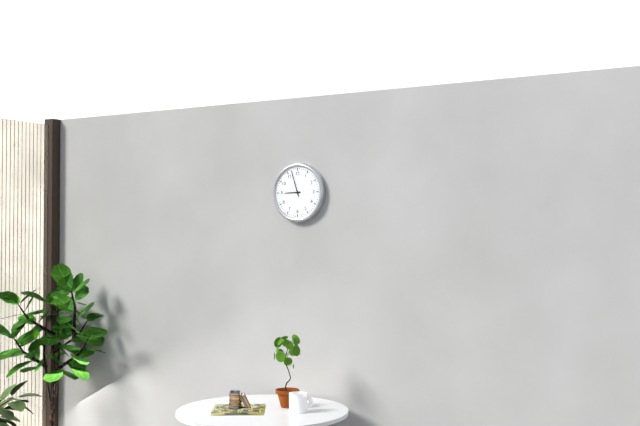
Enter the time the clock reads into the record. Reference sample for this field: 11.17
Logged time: 8.57
